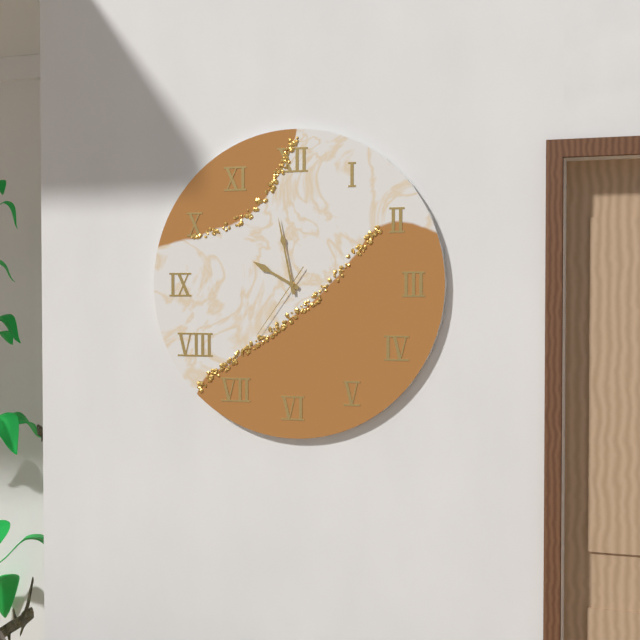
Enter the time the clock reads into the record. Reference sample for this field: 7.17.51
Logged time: 9.58.36
